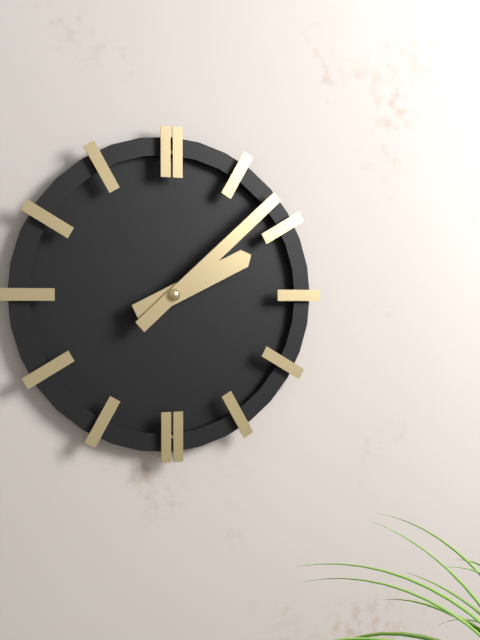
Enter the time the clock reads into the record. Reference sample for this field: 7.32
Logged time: 2.08
